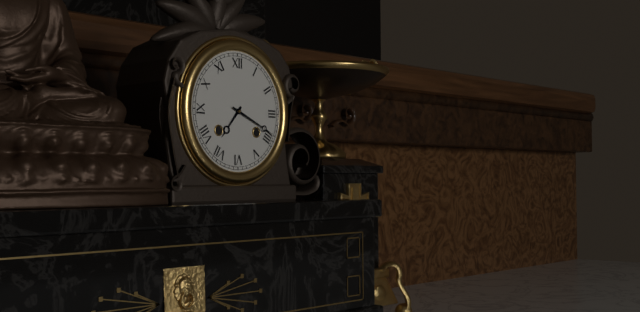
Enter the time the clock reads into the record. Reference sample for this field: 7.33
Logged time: 7.19
